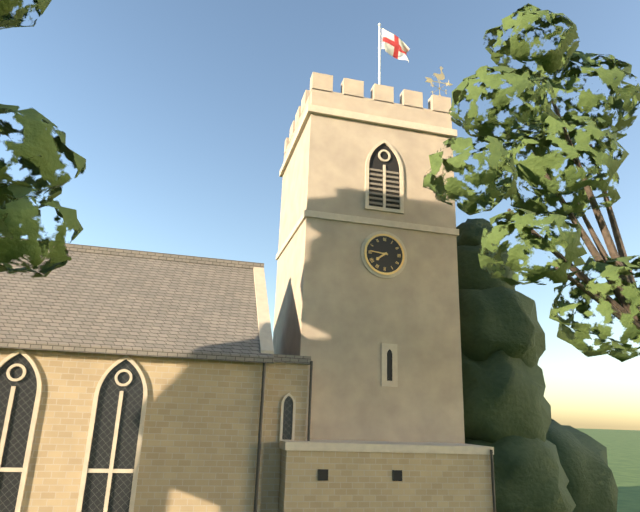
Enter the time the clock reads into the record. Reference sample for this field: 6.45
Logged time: 7.46
